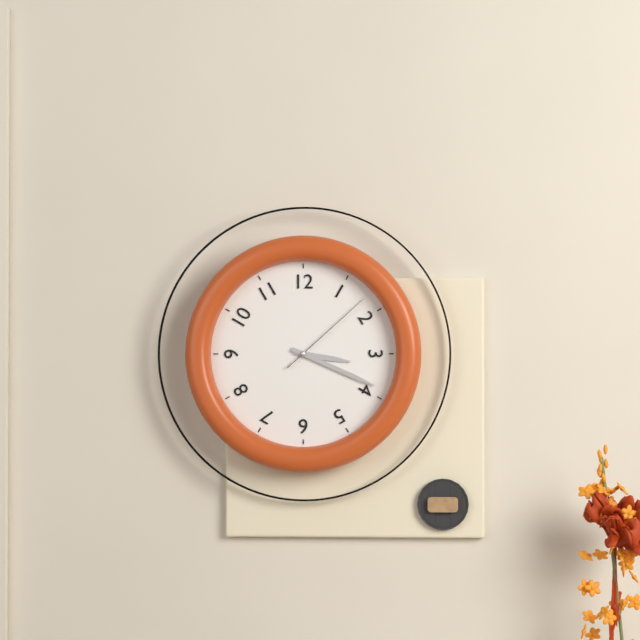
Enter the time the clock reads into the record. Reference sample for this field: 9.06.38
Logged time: 3.19.08
